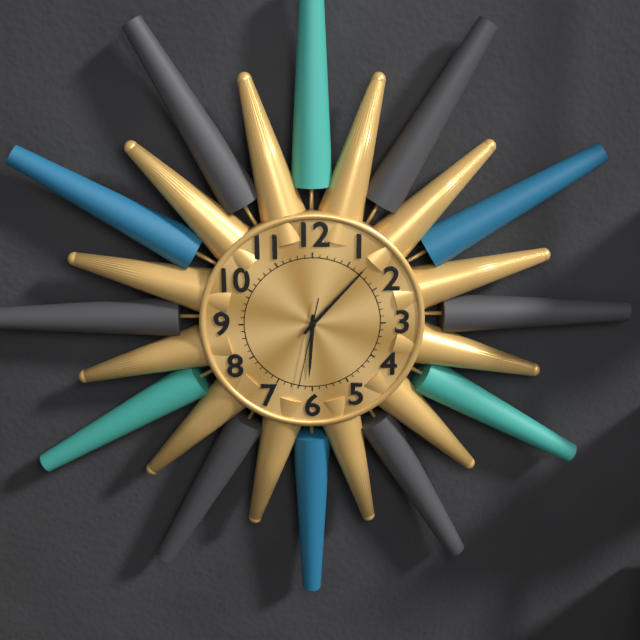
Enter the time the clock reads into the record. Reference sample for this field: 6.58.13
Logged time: 6.07.32
